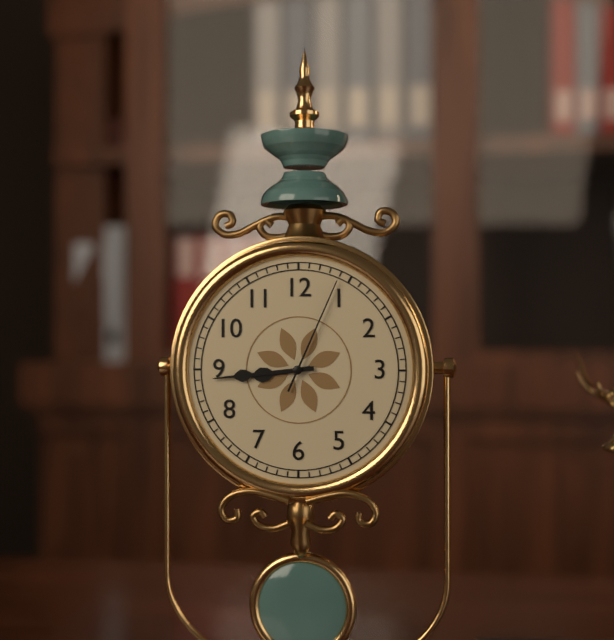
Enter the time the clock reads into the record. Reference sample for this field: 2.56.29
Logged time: 8.44.04
